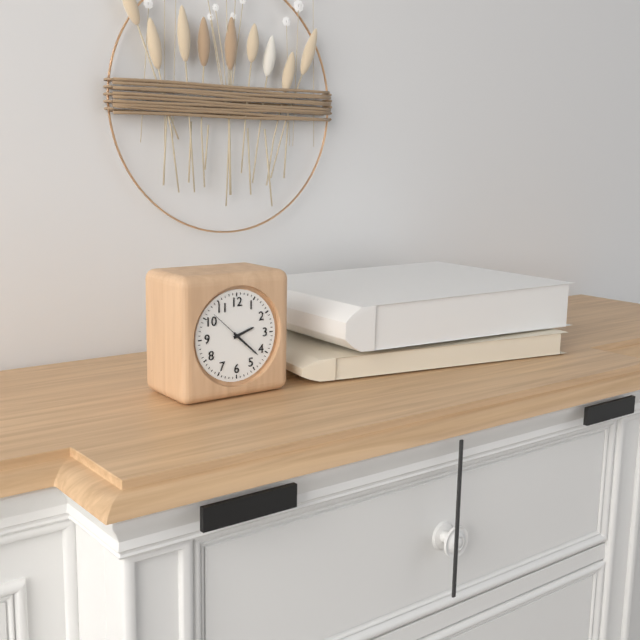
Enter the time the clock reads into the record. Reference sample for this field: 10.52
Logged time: 2.22
